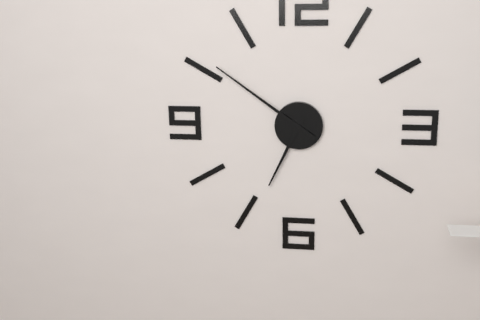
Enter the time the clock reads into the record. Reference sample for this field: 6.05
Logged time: 6.51
